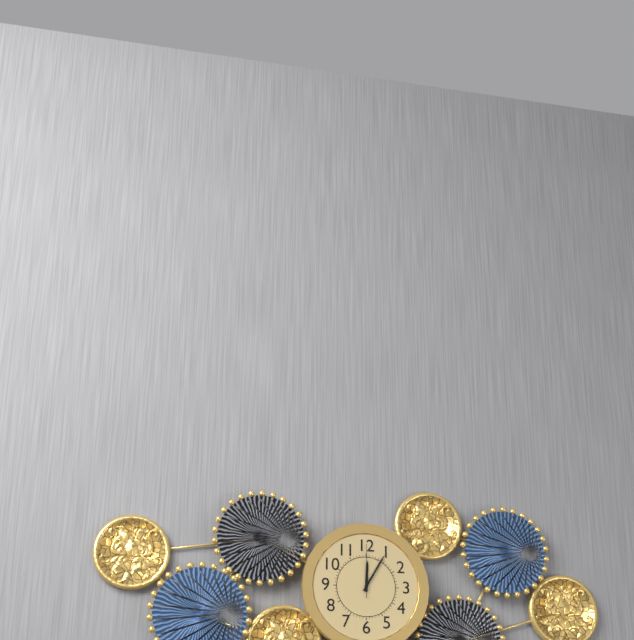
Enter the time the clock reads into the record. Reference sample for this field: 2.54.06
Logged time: 12.05.00
